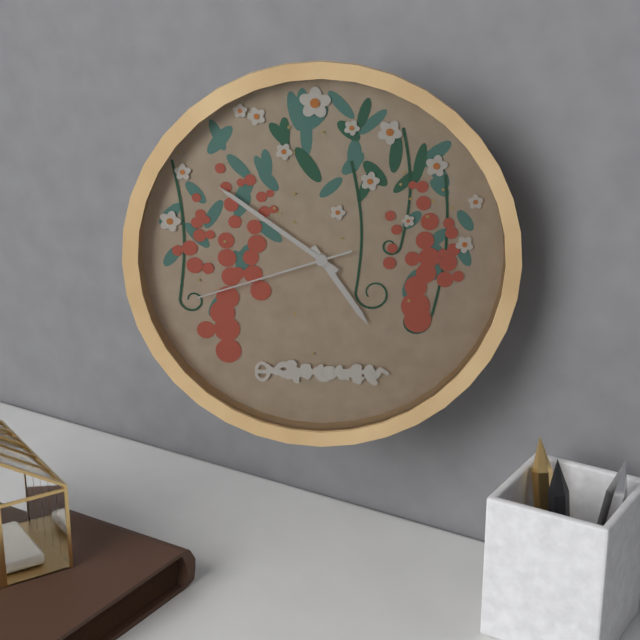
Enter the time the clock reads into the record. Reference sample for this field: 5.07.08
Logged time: 4.51.42
